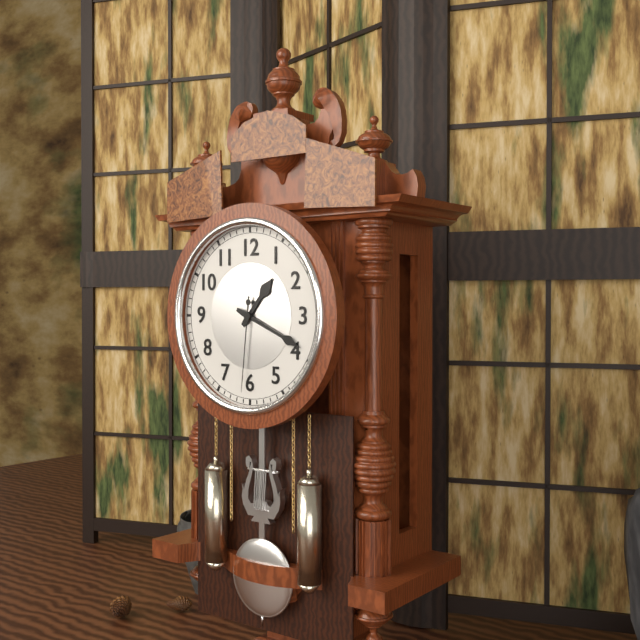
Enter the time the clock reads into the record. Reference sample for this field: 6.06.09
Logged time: 1.19.31
